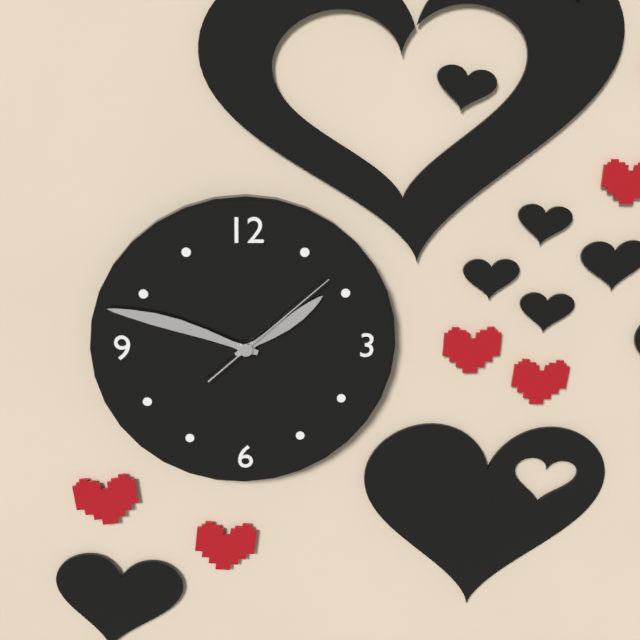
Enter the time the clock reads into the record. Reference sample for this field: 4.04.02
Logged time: 1.48.08
